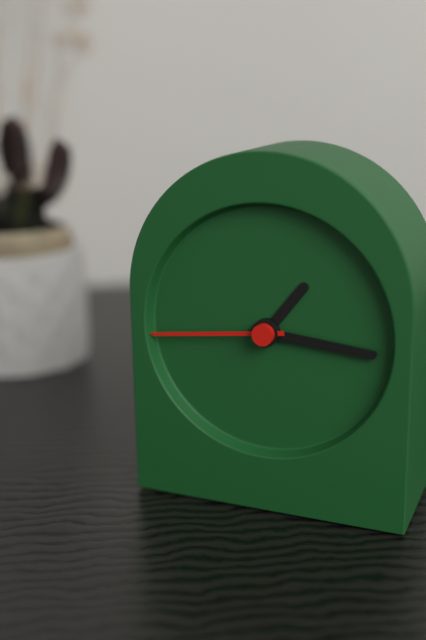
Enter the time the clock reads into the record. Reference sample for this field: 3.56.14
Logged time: 1.16.44
